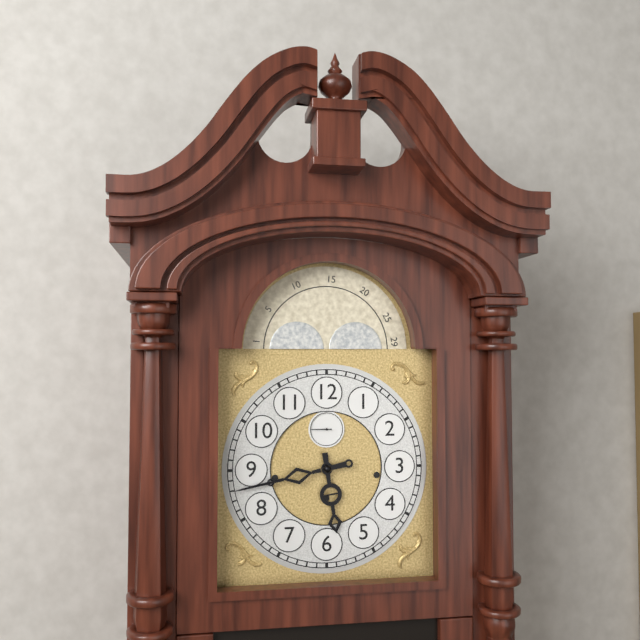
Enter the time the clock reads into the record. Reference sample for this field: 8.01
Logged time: 5.43
